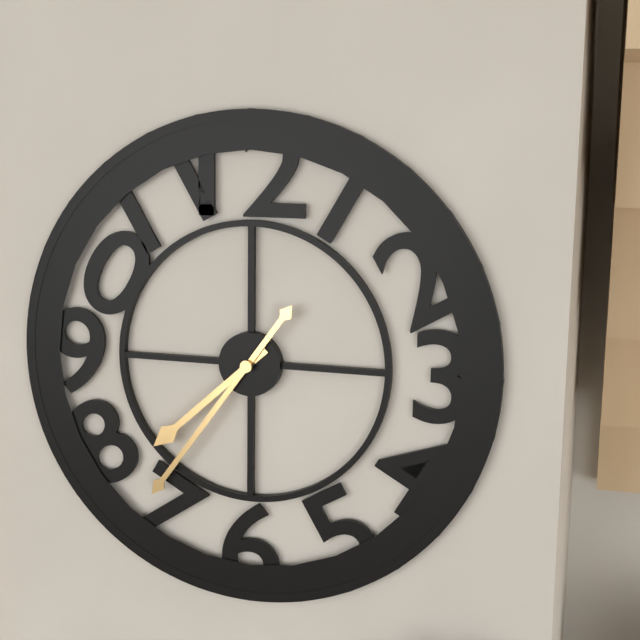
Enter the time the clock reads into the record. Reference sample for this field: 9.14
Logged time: 7.36
